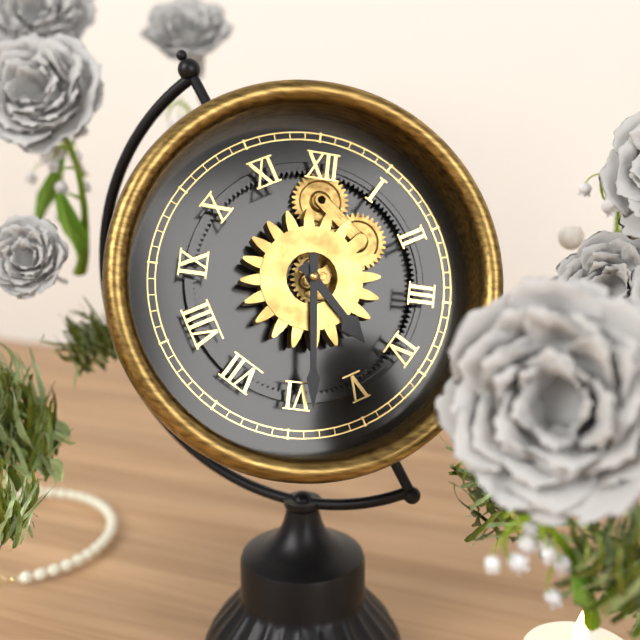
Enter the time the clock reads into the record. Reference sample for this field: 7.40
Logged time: 4.29
